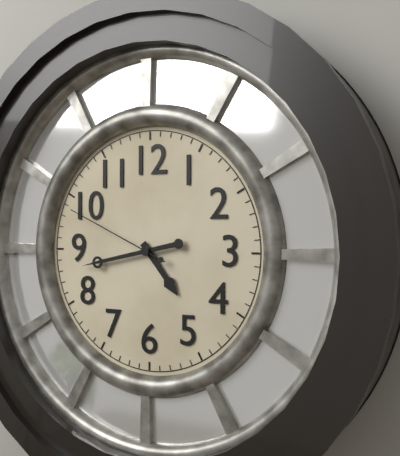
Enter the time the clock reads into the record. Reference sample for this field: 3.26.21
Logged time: 4.43.49
